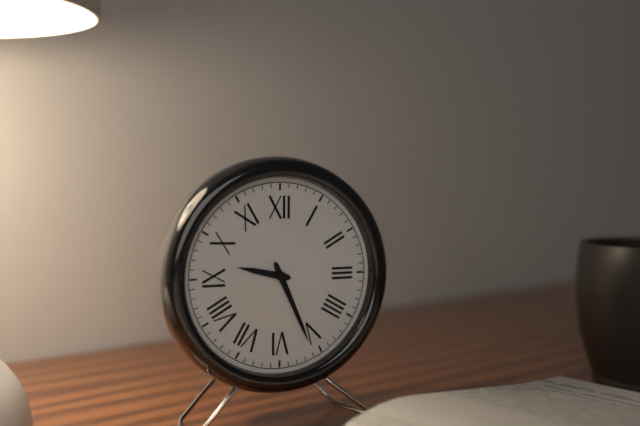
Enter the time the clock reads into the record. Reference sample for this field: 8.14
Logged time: 9.26
